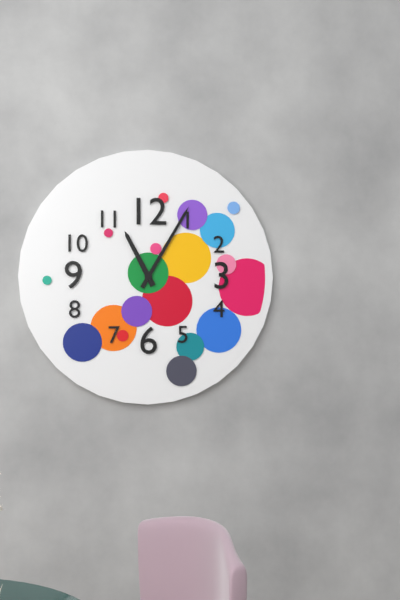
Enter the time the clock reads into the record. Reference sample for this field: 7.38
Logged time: 11.05
